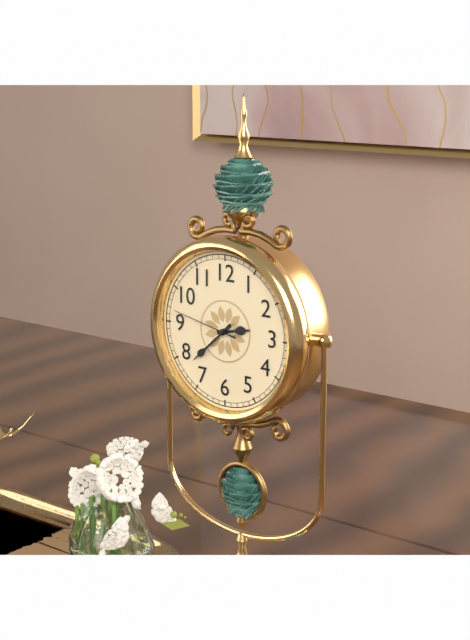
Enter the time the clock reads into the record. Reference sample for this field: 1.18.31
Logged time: 2.38.47
